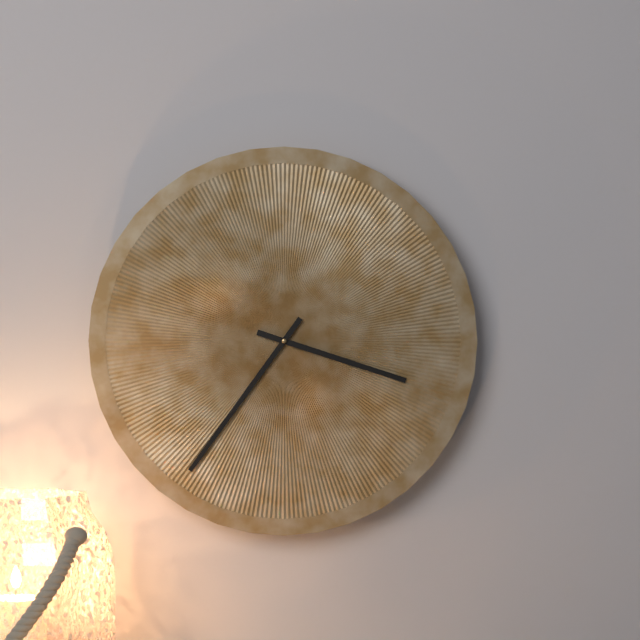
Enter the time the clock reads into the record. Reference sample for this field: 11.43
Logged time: 3.36
